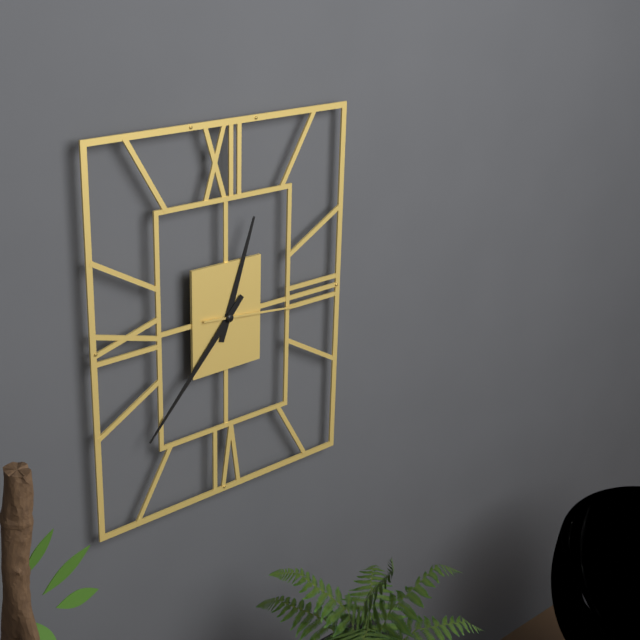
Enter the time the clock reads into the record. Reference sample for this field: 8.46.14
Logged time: 12.37.16
